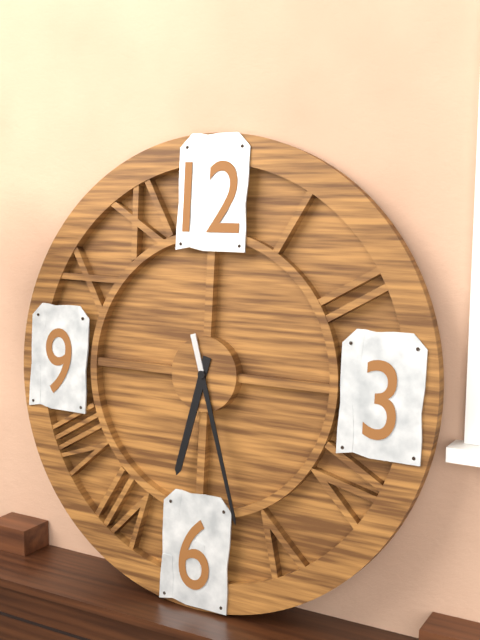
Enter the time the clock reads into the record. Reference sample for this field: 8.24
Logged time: 6.27
